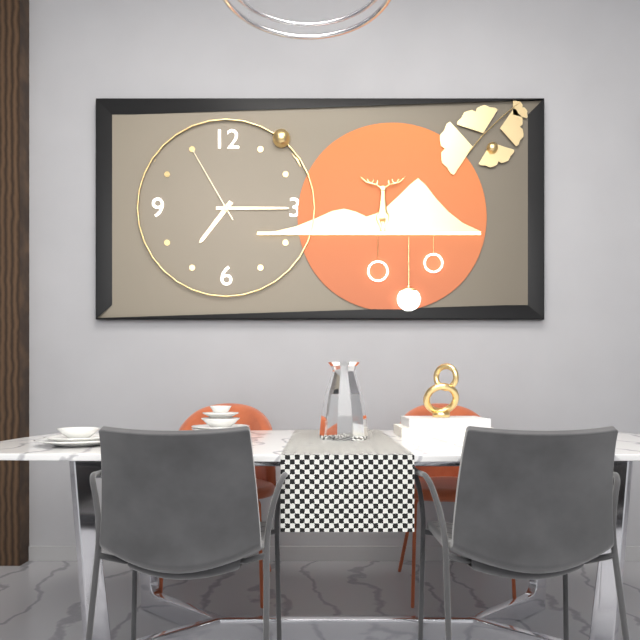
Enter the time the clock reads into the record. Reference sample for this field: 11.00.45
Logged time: 7.15.55
